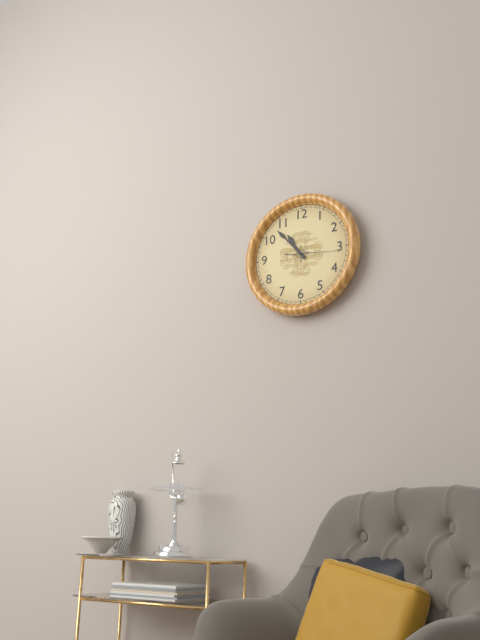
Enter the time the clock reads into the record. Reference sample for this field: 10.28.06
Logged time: 10.53.16
